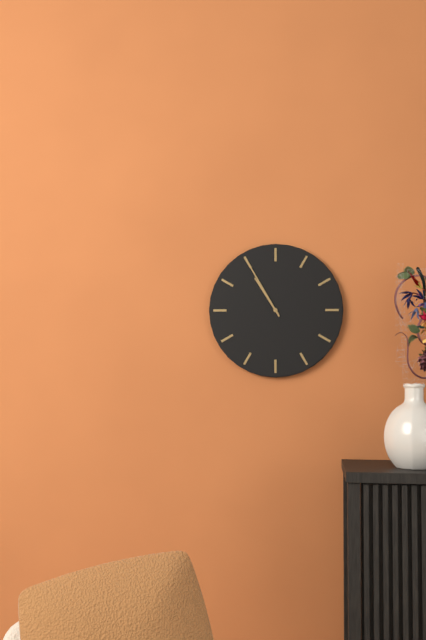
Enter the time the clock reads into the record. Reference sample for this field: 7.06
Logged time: 10.55
